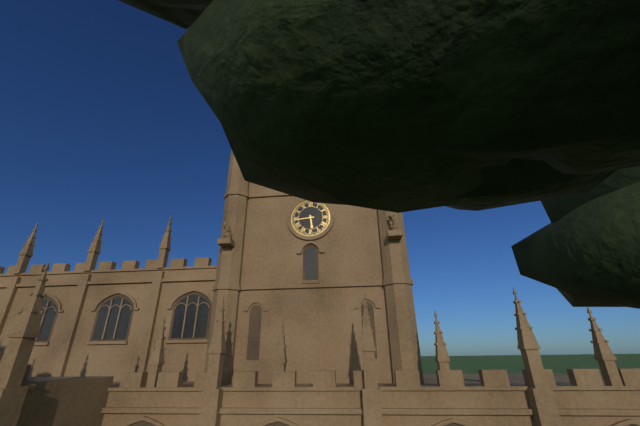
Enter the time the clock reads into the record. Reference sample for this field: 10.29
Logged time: 5.44
